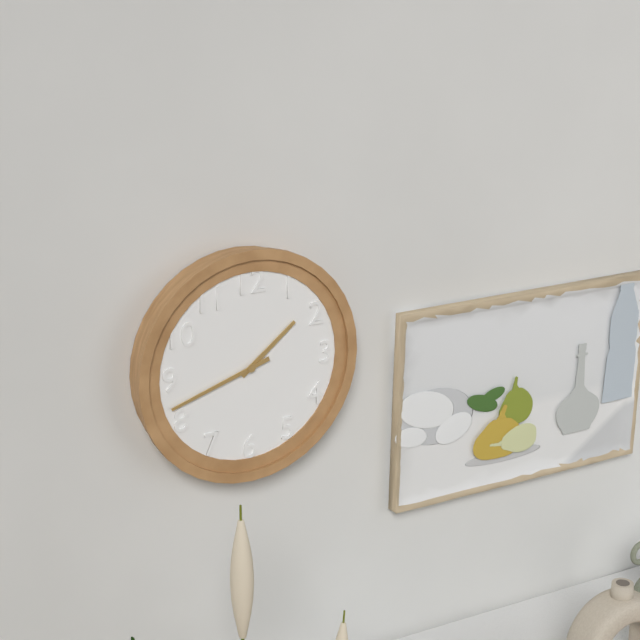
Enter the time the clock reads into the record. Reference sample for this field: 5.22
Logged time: 1.42
